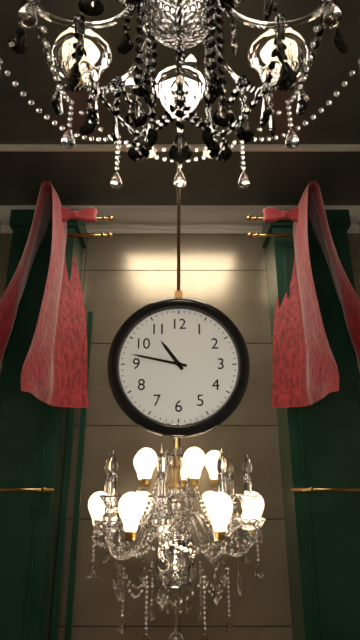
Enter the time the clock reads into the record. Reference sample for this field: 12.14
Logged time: 10.47
